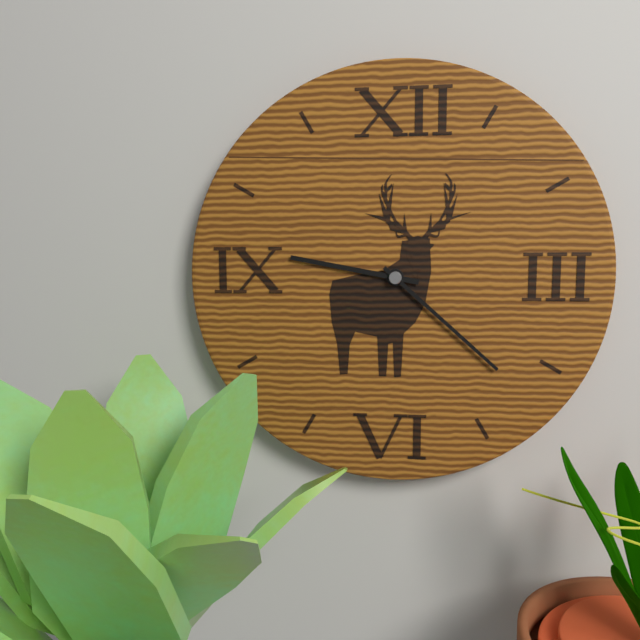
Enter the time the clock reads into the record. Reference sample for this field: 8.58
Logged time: 9.22
